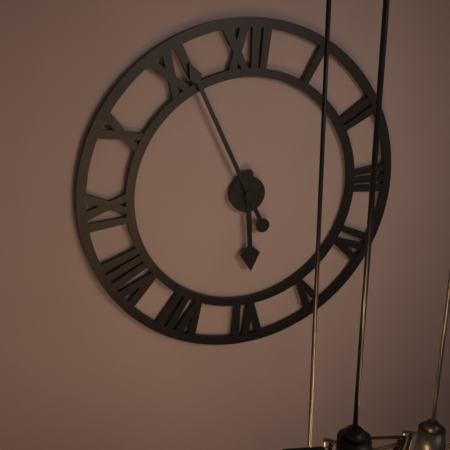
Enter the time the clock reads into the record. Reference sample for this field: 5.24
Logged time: 5.56
